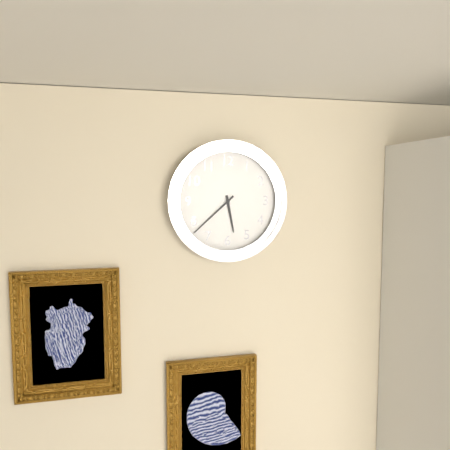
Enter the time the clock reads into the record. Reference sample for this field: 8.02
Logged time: 5.38
